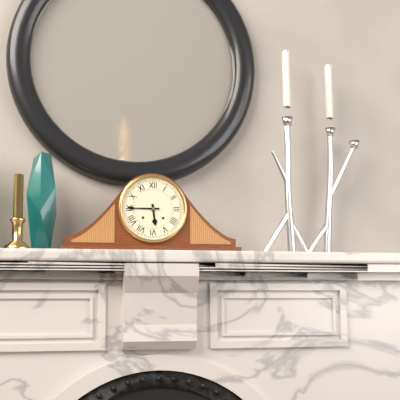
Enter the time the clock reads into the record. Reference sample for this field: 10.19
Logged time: 5.45
